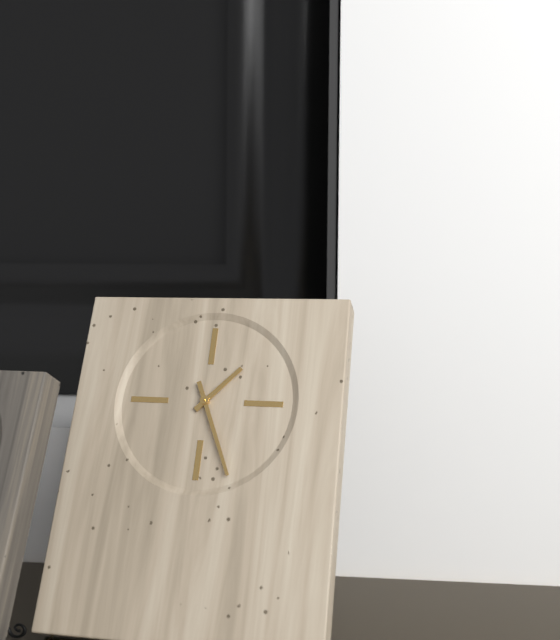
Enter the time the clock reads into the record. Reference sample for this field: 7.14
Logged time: 1.26
